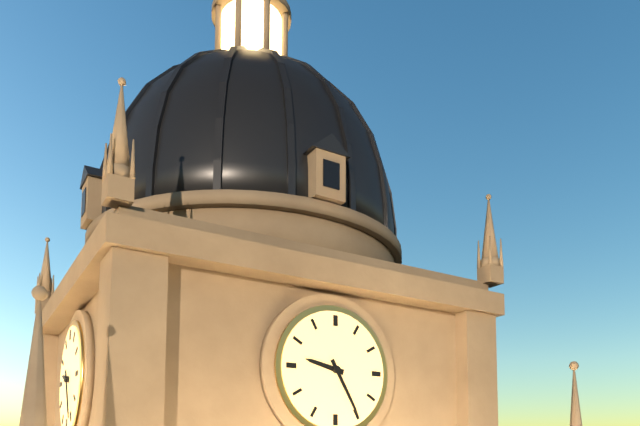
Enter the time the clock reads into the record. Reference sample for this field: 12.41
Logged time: 9.25
